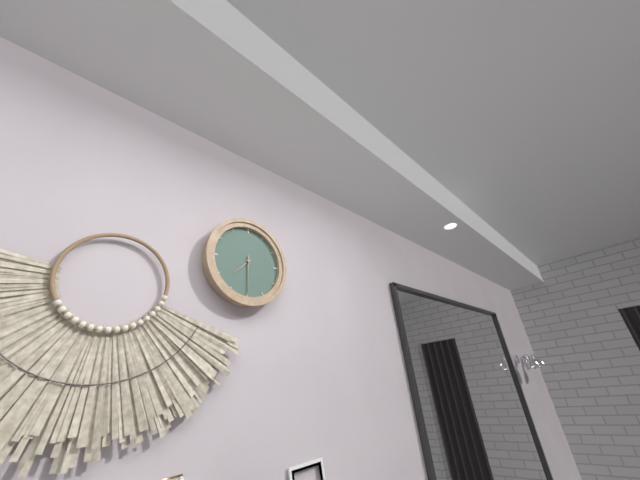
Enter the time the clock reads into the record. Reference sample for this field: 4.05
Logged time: 7.30
